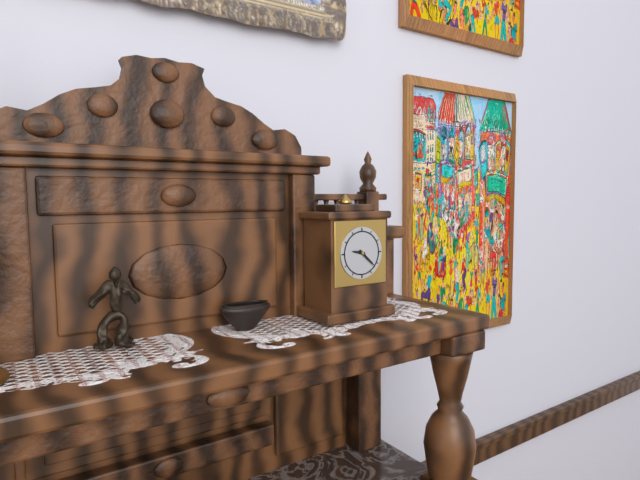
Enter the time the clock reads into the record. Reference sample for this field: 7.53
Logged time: 9.22
